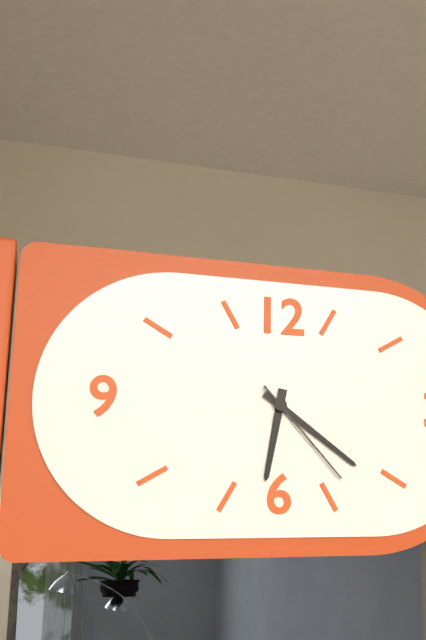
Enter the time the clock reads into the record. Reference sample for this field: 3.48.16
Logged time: 6.21.23
